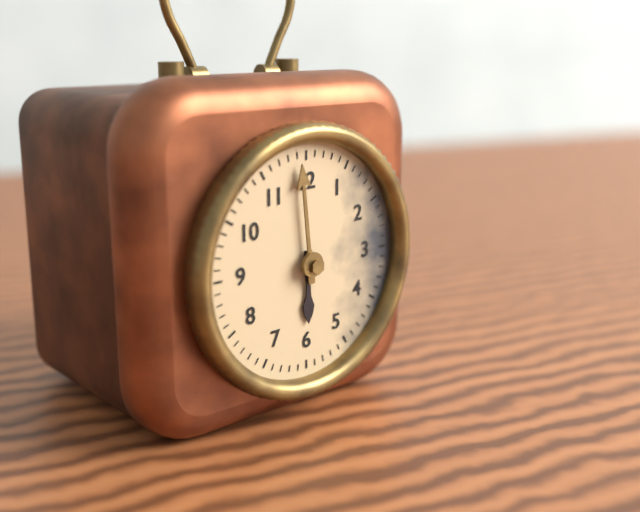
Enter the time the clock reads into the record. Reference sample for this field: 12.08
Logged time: 5.59
